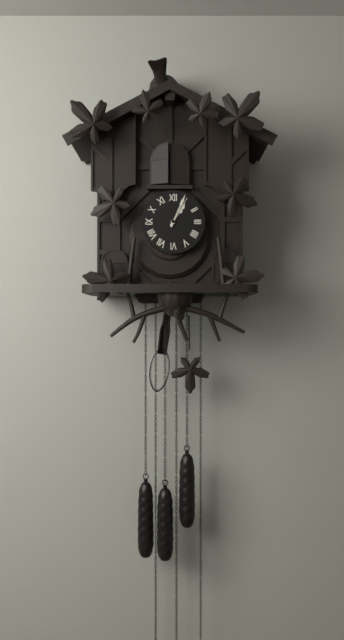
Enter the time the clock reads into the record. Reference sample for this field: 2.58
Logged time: 1.04
